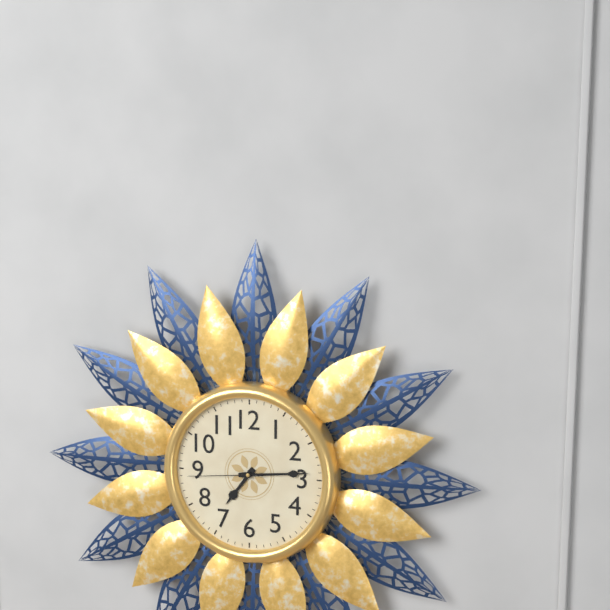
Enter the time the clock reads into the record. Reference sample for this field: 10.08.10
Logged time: 7.14.44
